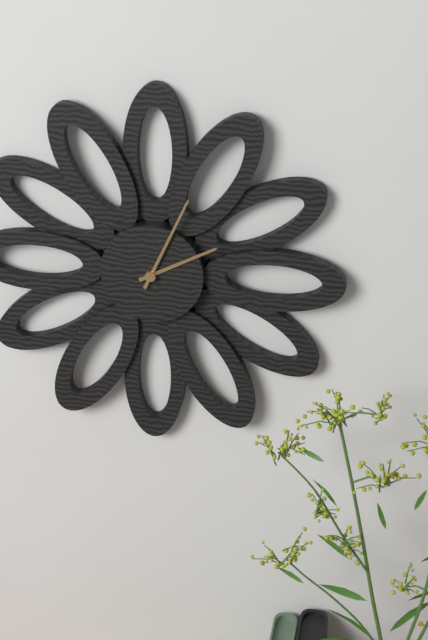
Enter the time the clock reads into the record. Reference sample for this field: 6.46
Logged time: 2.04
